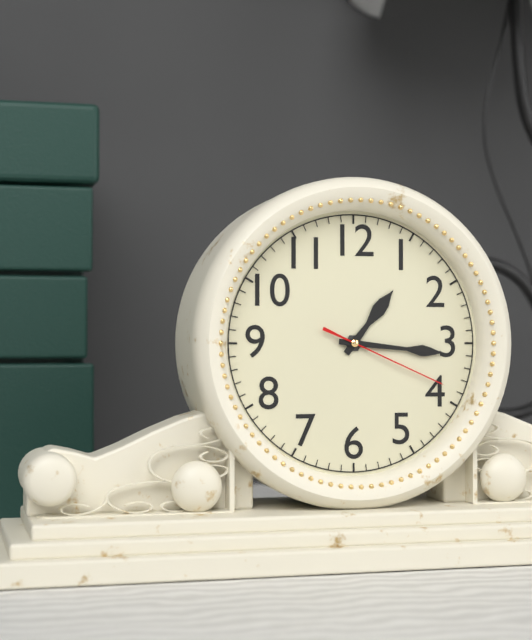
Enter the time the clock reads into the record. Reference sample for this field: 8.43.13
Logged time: 1.16.19
